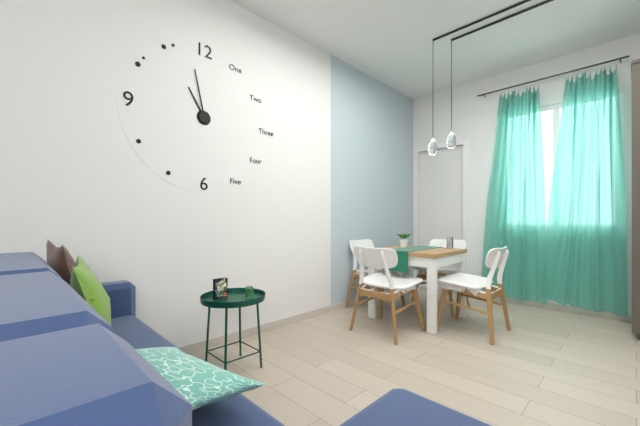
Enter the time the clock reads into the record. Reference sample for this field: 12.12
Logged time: 10.58
